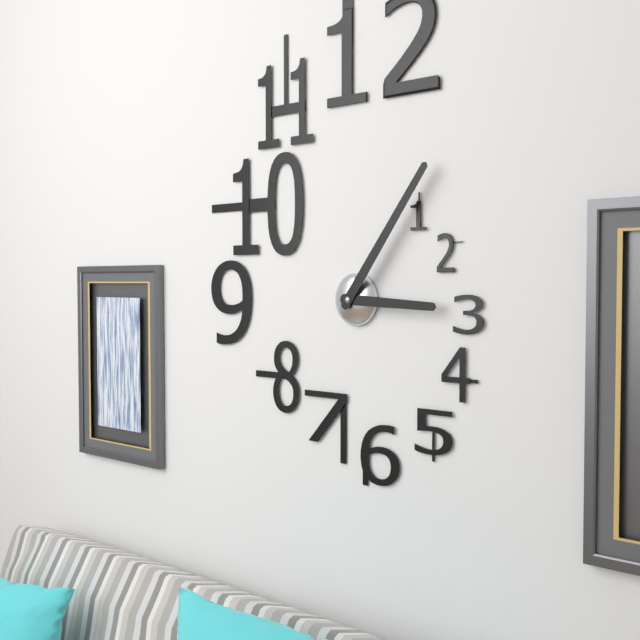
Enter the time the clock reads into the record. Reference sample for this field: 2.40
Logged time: 3.06
